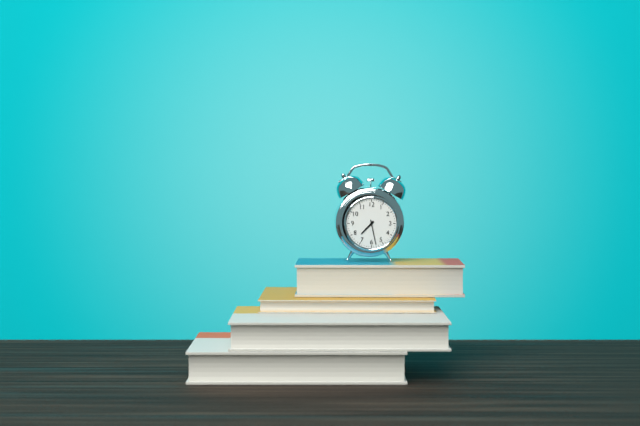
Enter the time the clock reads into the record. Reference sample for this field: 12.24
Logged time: 7.28
